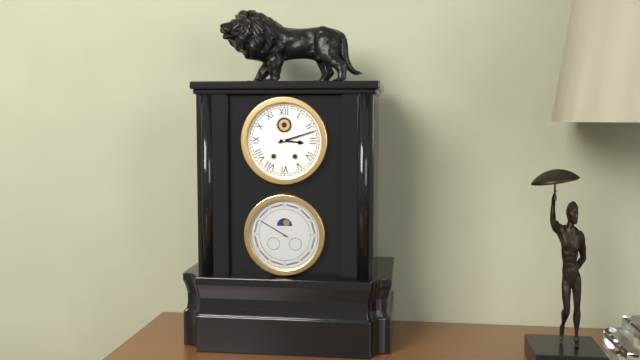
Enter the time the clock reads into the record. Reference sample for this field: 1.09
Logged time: 3.12
